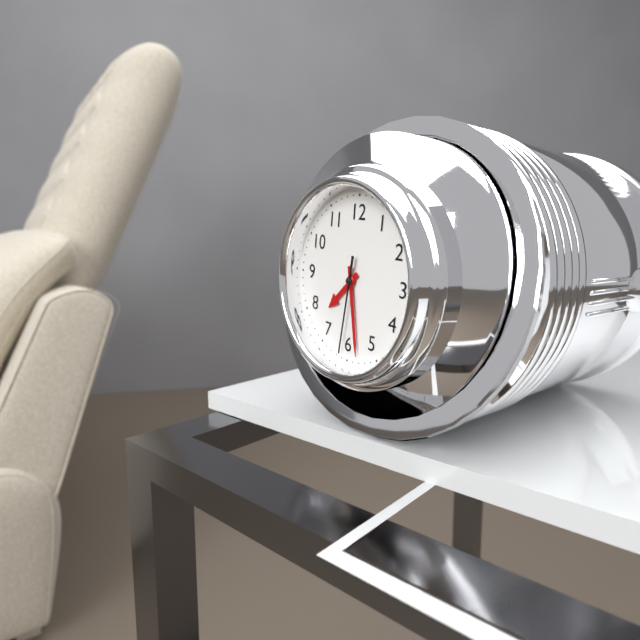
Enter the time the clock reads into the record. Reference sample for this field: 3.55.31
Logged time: 7.28.31
